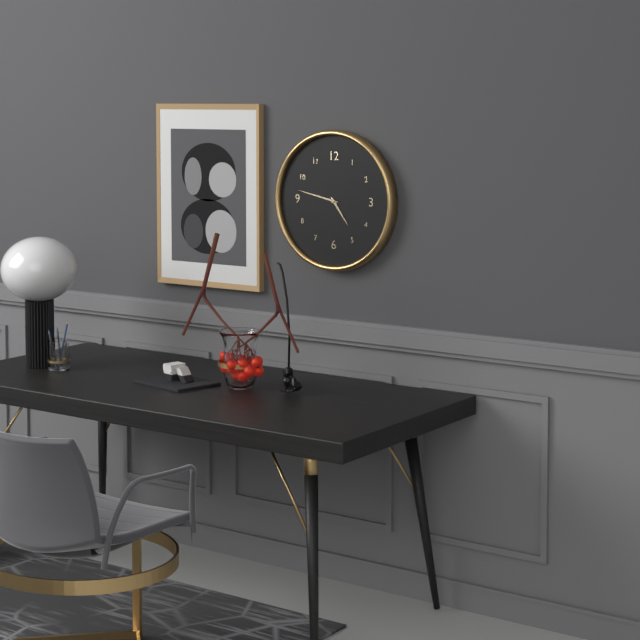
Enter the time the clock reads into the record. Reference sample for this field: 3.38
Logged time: 4.47
